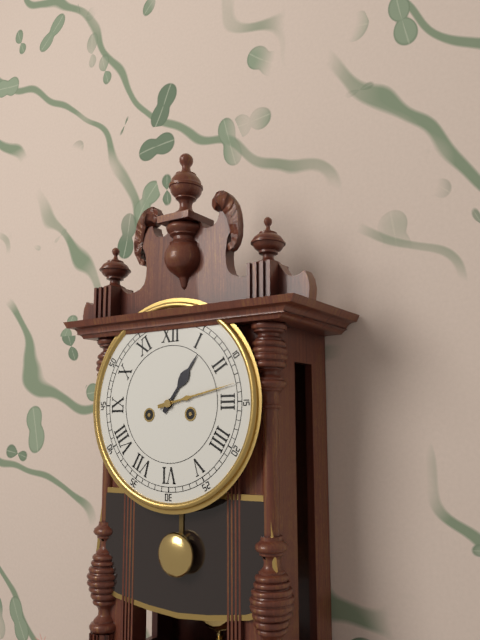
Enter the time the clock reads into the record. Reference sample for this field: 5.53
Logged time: 1.13
